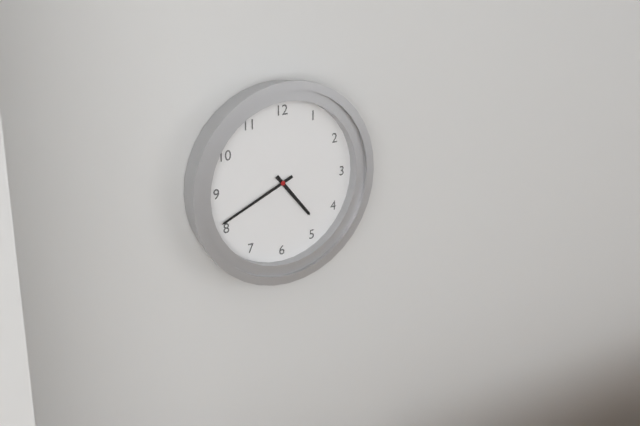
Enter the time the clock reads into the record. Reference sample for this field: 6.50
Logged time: 4.41
